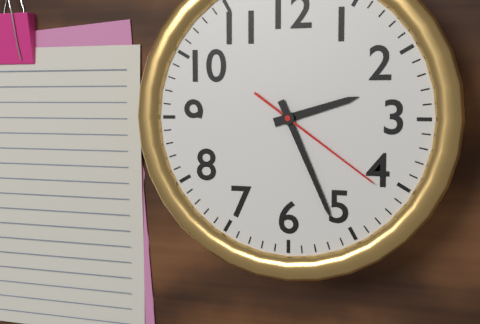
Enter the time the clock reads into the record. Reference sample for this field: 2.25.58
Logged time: 2.26.21
